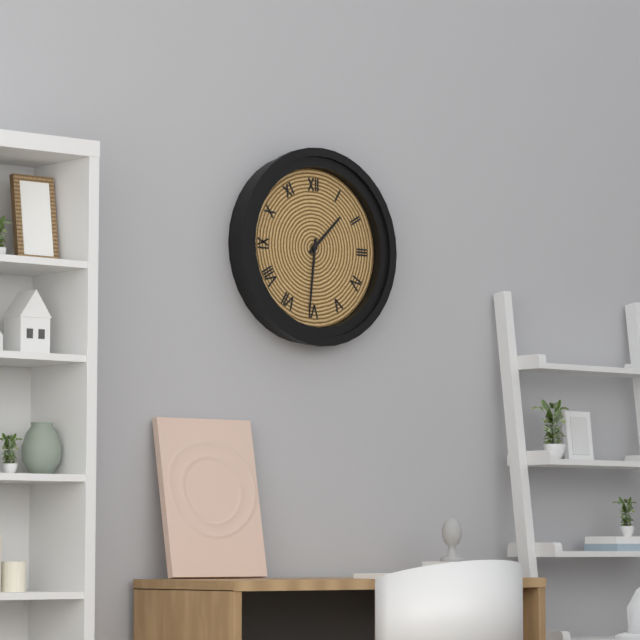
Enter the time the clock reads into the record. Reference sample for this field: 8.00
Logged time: 1.31
